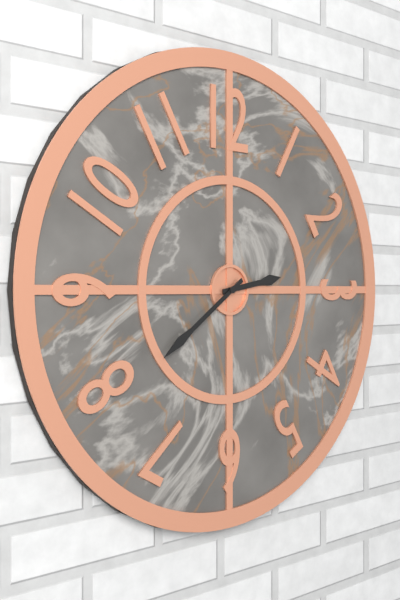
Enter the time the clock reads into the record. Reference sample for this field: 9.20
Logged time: 2.39
